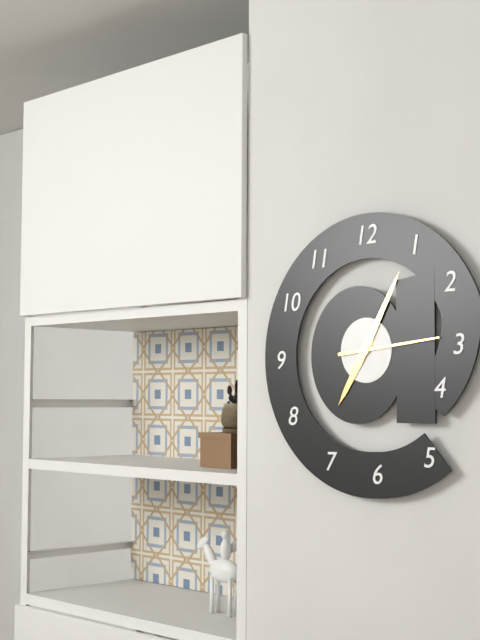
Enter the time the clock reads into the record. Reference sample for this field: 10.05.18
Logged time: 7.05.14
